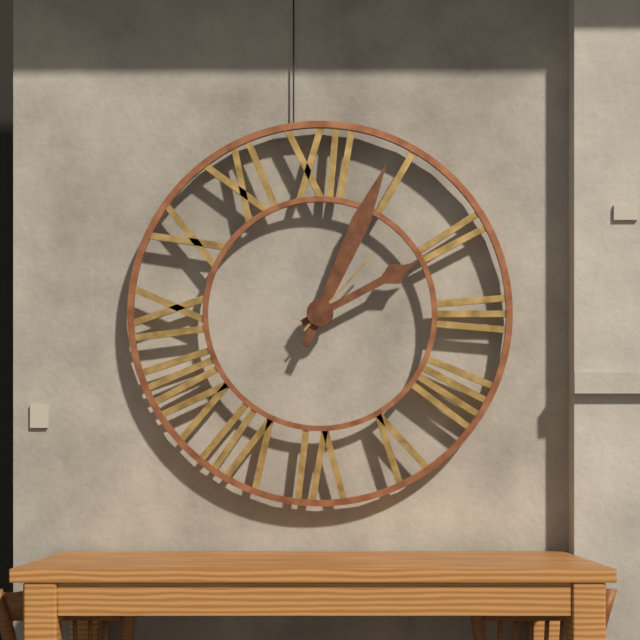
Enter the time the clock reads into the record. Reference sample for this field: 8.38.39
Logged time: 2.04.07
